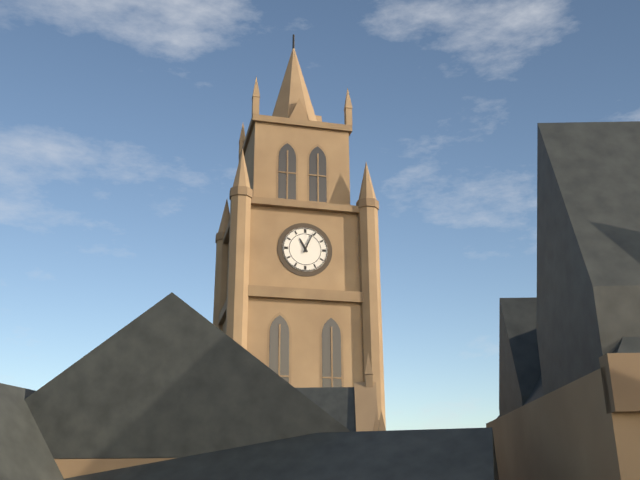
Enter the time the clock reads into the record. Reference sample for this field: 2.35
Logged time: 11.04
